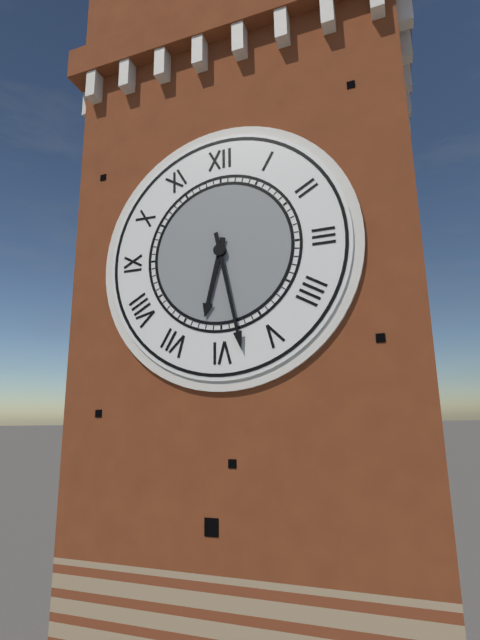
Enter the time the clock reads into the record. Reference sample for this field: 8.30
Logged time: 6.28
